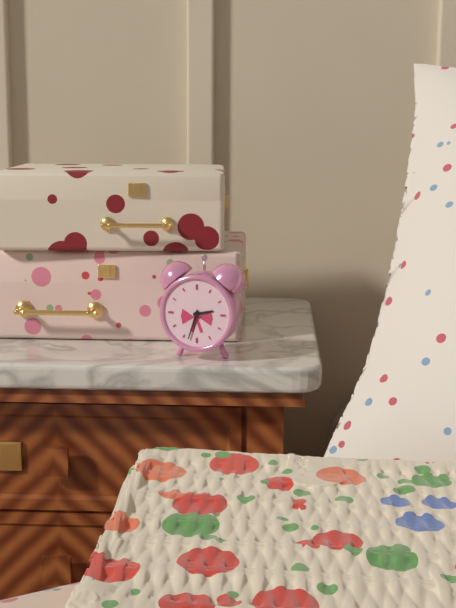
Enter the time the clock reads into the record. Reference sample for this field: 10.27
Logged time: 2.33
